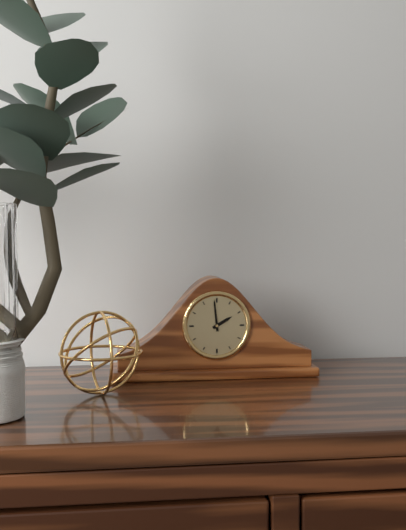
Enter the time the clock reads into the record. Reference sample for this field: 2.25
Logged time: 1.59
